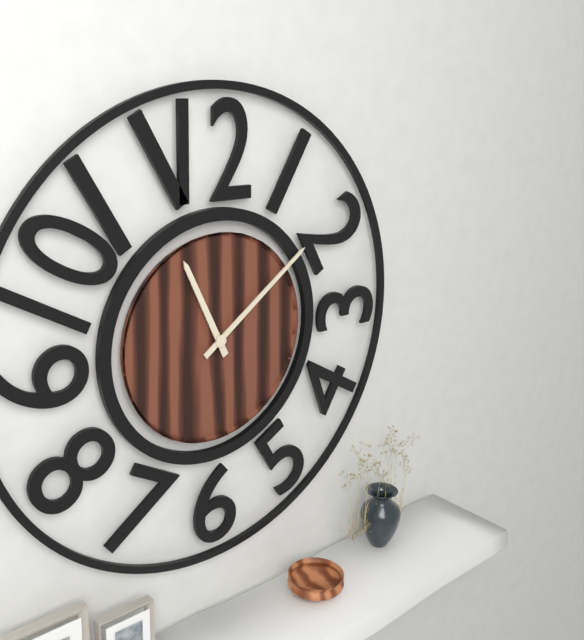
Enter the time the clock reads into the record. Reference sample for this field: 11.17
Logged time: 11.09
